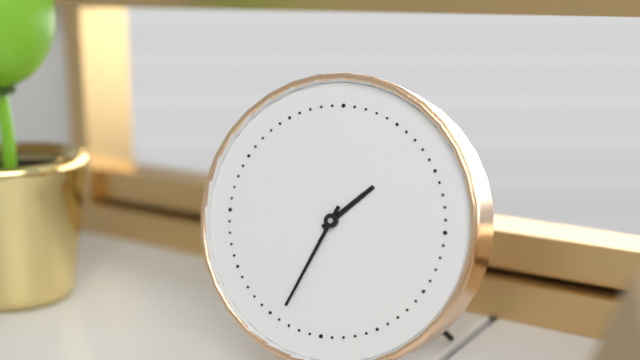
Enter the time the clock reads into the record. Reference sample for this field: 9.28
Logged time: 1.34
